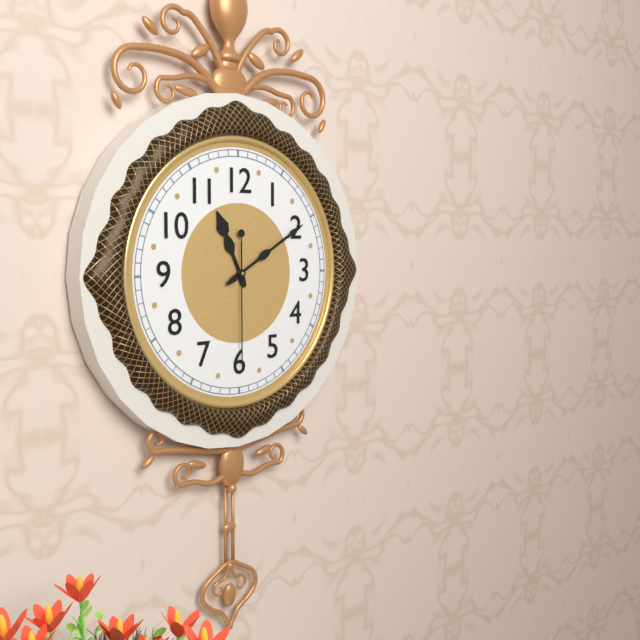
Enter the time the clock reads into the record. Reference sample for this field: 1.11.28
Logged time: 11.10.30
